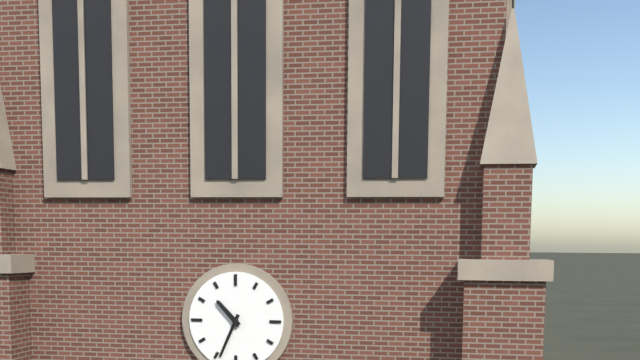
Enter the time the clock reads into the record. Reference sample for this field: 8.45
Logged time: 10.34
